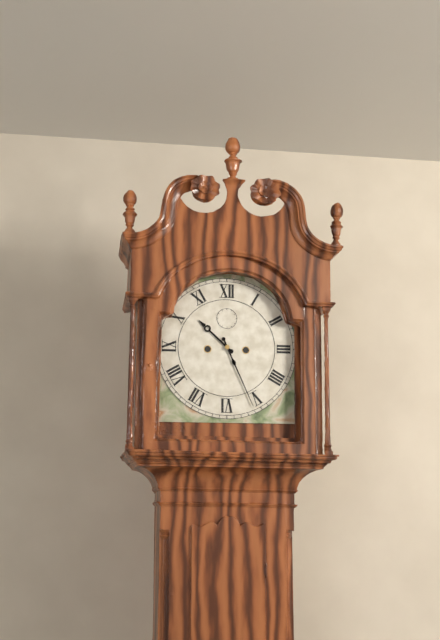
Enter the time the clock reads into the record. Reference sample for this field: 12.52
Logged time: 10.26
